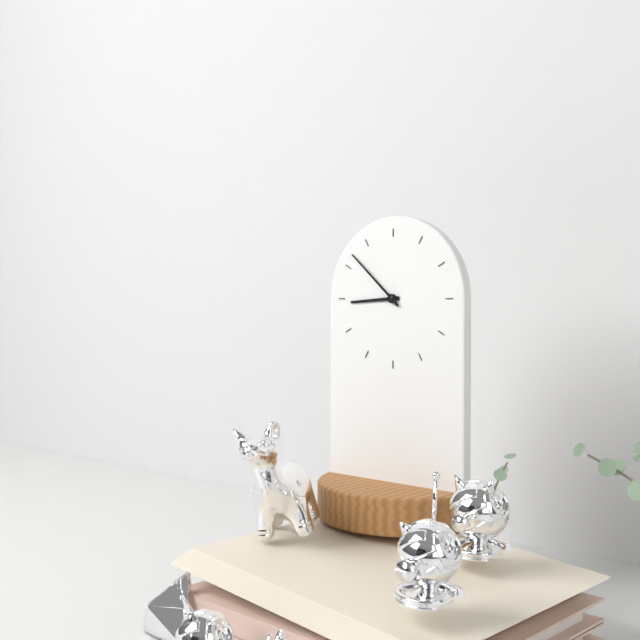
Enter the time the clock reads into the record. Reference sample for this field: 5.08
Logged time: 8.52
